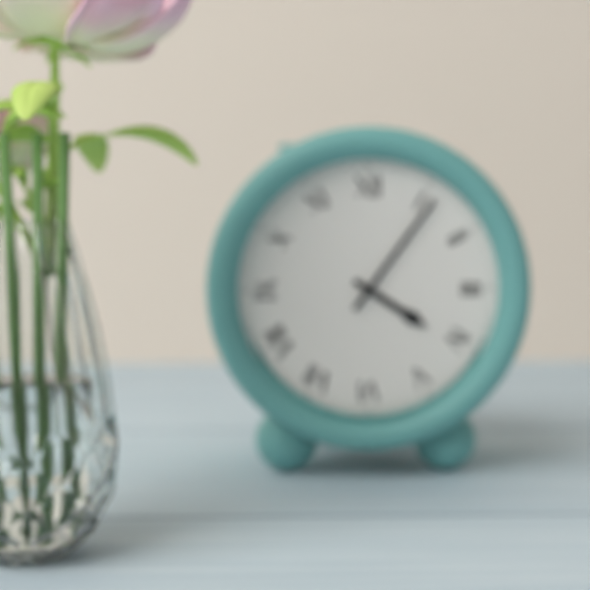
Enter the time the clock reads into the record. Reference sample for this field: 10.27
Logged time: 4.06
